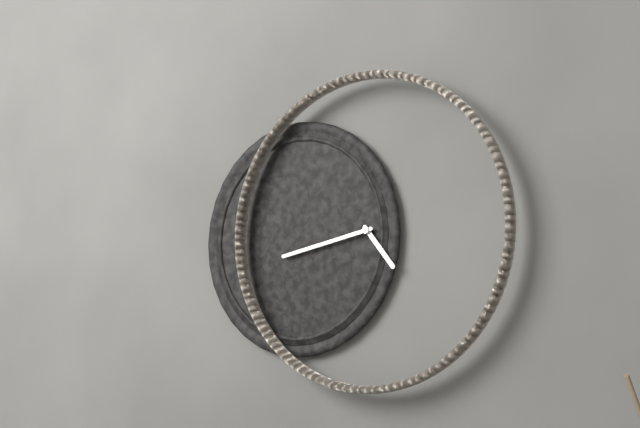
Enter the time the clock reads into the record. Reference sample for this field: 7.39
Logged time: 4.43
